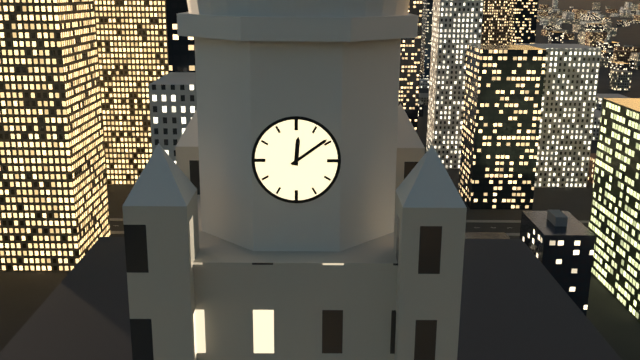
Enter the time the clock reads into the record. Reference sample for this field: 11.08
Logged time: 12.09
